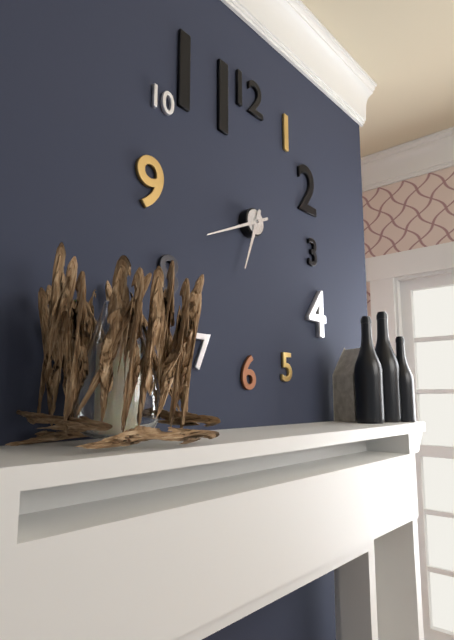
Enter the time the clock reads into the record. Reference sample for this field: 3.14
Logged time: 6.41
